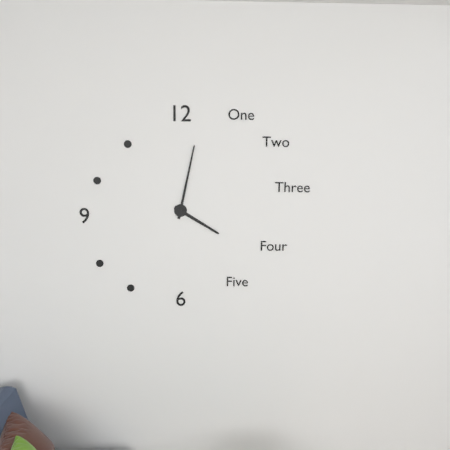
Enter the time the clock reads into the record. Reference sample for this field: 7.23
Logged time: 4.02
